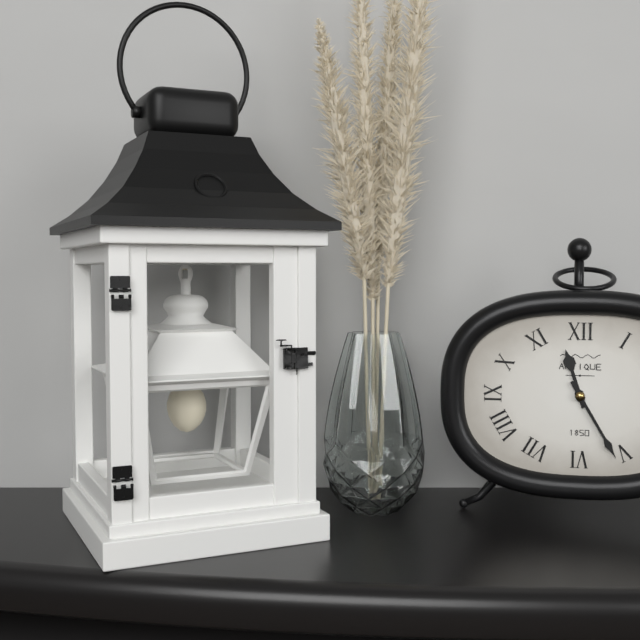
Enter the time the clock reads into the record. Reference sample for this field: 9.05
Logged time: 11.25
